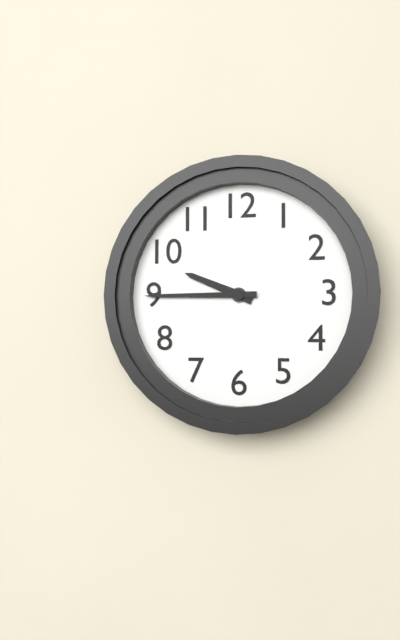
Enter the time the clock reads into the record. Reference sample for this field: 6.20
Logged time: 9.45
